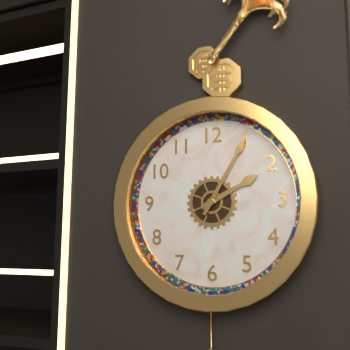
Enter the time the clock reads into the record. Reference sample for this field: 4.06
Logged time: 2.05
